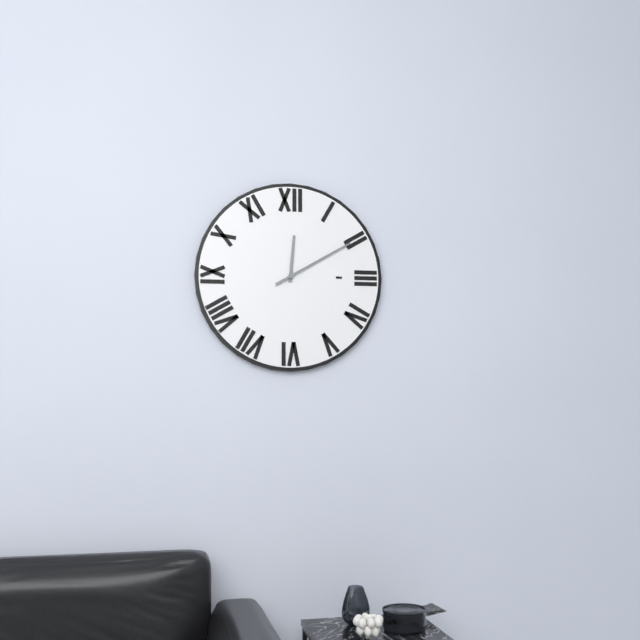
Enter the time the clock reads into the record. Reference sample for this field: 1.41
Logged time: 12.10
